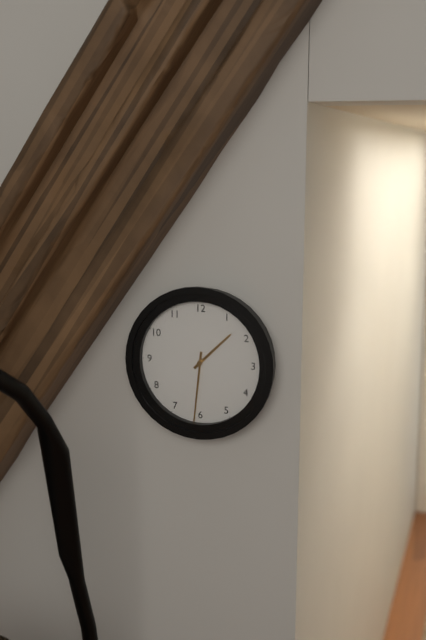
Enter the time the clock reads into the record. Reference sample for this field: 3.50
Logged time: 1.31
